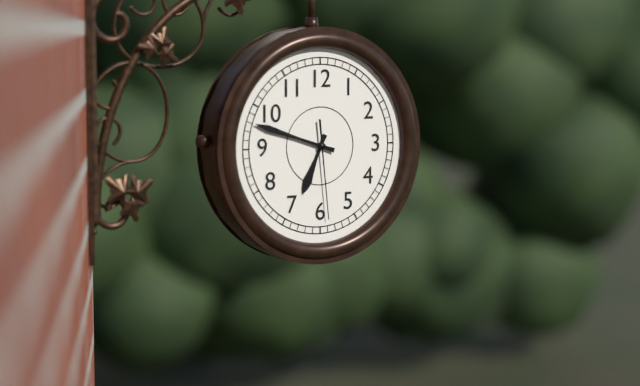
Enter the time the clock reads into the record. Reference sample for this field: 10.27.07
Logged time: 6.48.29
